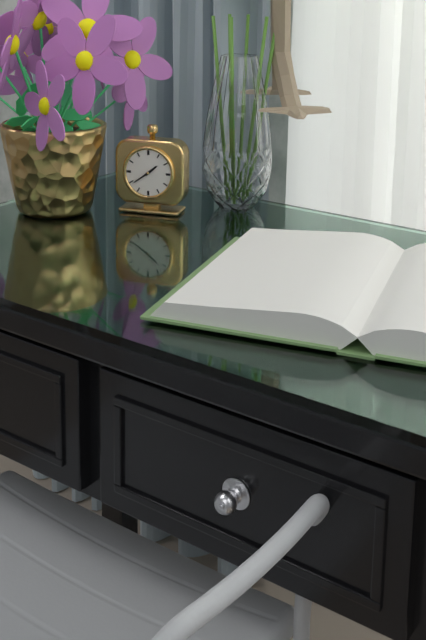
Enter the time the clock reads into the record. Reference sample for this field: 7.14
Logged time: 1.39
